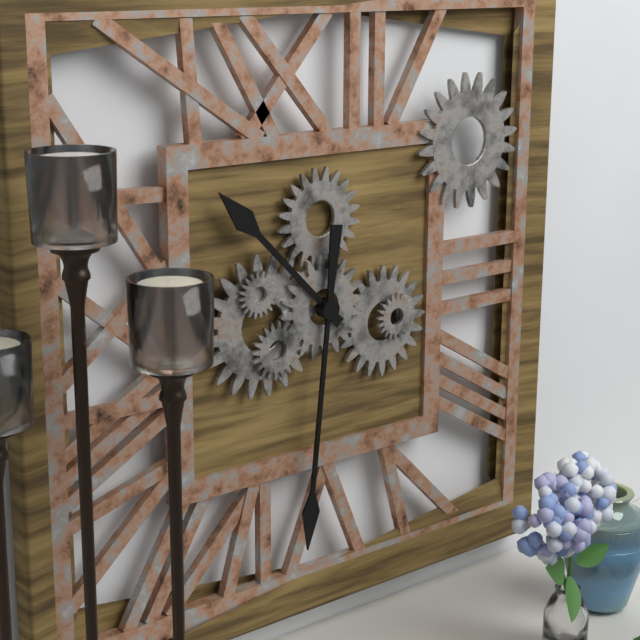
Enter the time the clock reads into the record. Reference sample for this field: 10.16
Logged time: 10.31
